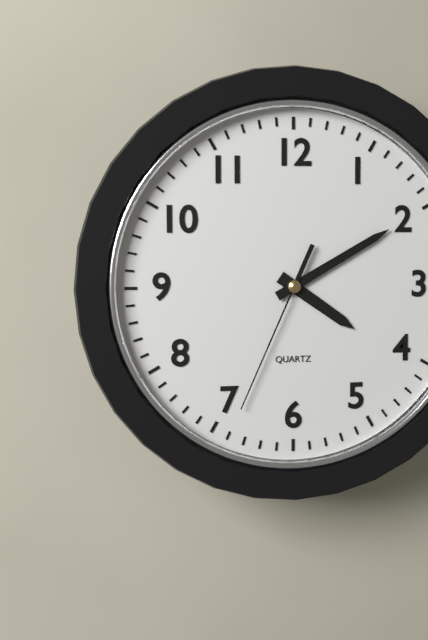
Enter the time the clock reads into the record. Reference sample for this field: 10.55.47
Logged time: 4.10.34
